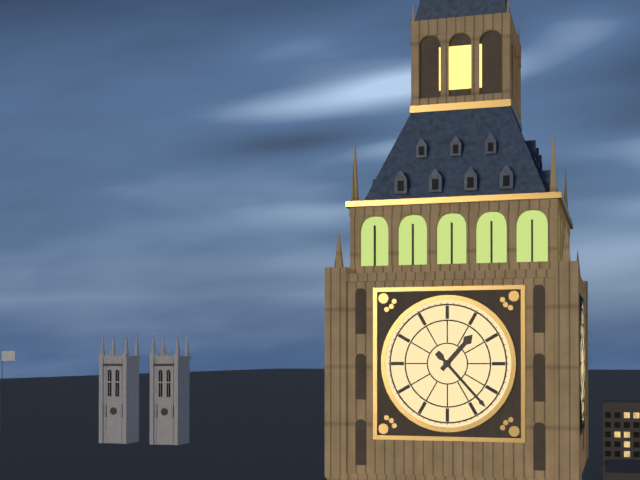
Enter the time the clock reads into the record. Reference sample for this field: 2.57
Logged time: 1.23
